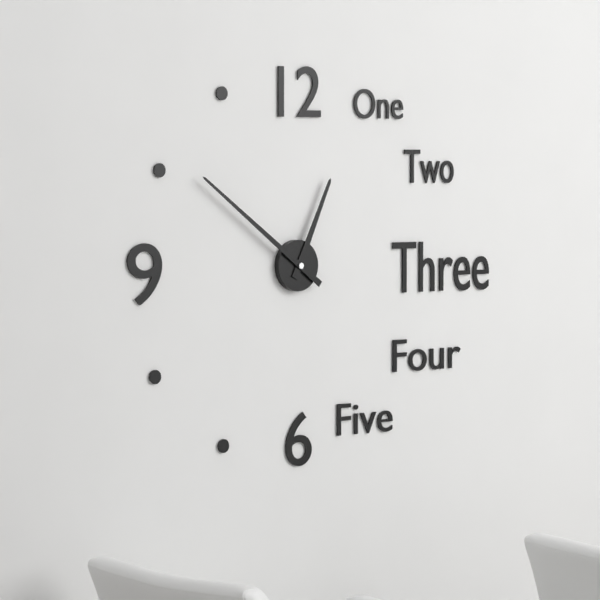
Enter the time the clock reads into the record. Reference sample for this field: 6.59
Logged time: 12.51
